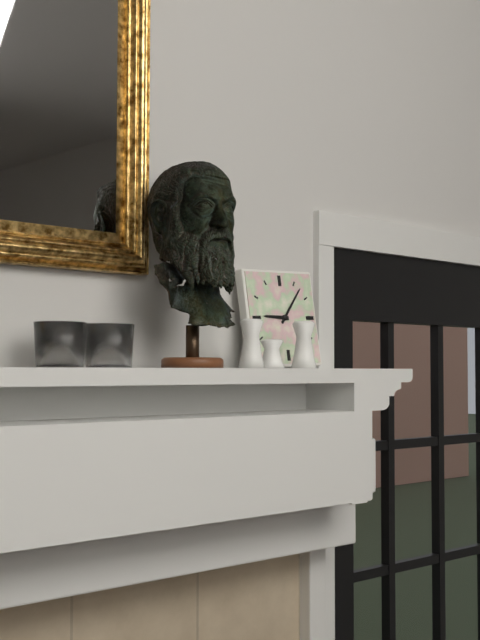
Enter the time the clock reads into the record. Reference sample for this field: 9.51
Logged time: 9.07
